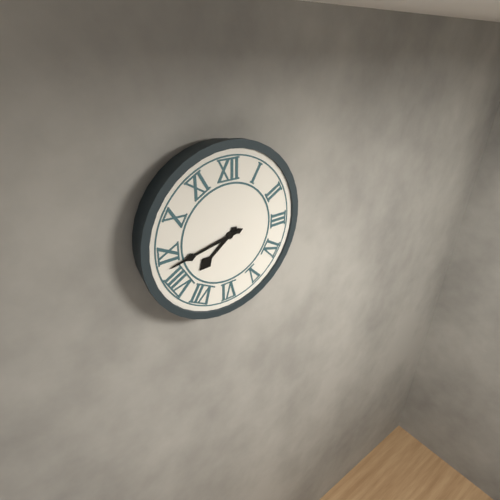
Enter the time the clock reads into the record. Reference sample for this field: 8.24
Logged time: 7.43
